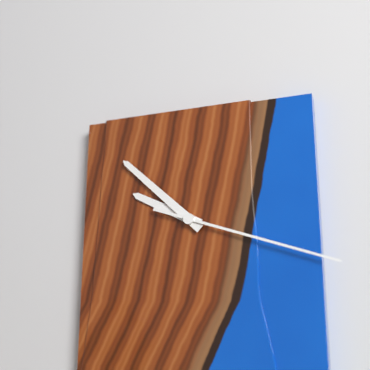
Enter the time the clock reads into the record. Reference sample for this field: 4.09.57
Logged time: 9.52.18
